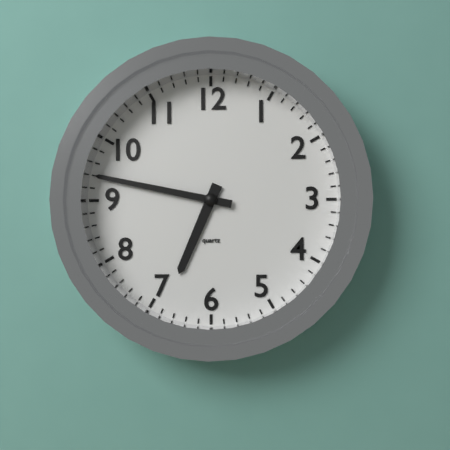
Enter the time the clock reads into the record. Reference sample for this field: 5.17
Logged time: 6.47
